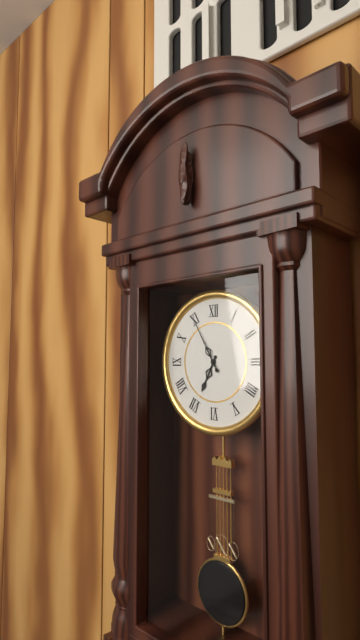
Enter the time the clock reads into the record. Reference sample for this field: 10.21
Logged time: 6.55
